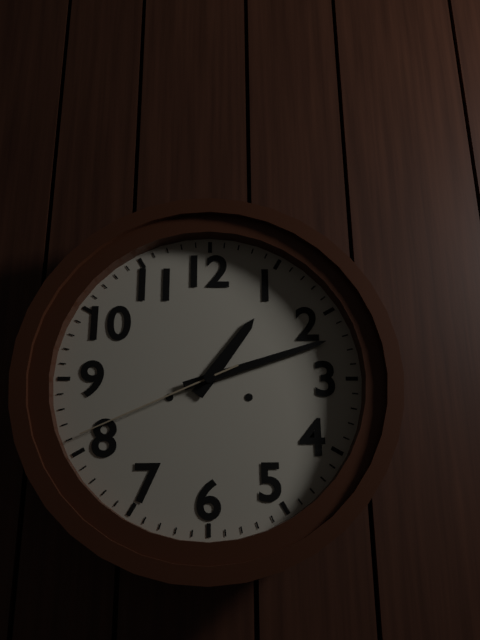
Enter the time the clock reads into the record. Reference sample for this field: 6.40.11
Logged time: 1.12.41
